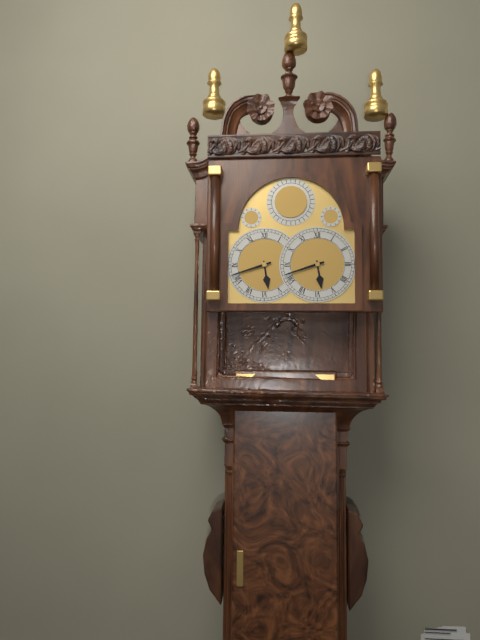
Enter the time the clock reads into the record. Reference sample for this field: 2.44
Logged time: 5.42
